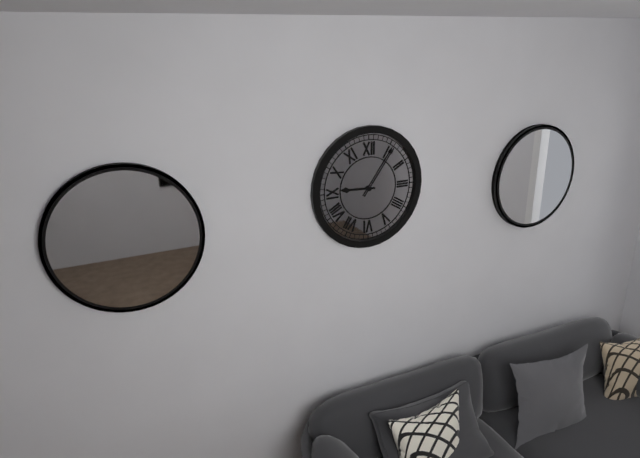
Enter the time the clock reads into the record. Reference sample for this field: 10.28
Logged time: 9.06
